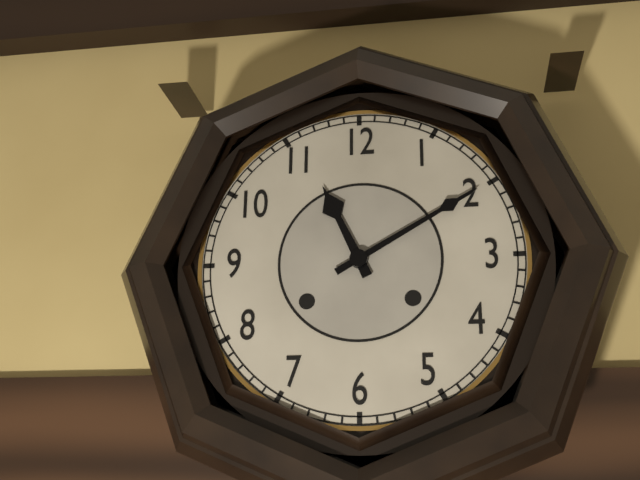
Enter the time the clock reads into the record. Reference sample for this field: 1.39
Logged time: 11.10
